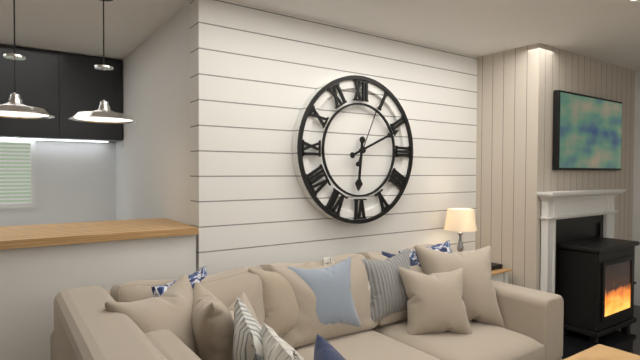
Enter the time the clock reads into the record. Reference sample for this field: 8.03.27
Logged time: 6.11.04
